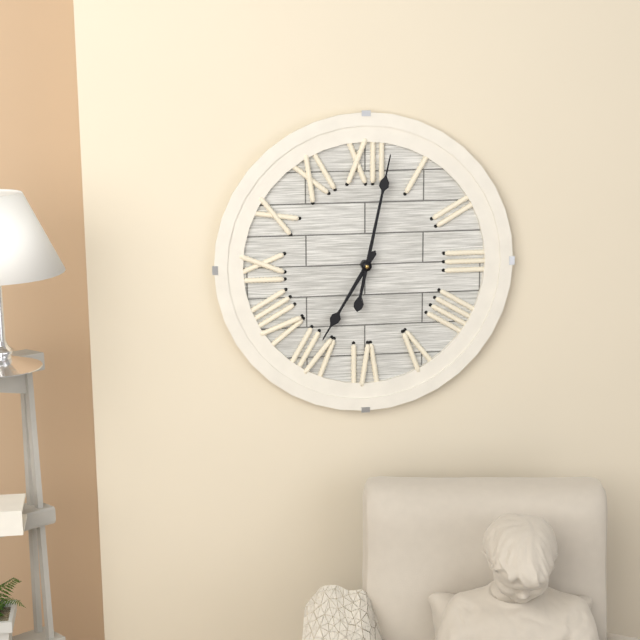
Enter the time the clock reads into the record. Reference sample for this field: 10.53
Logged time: 7.02
